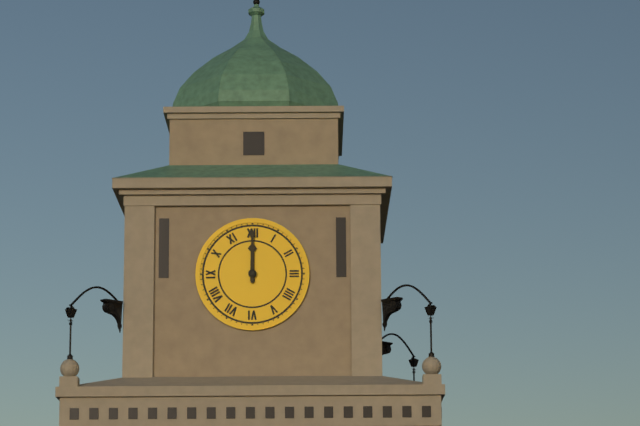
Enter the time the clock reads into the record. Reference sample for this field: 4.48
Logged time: 12.00
